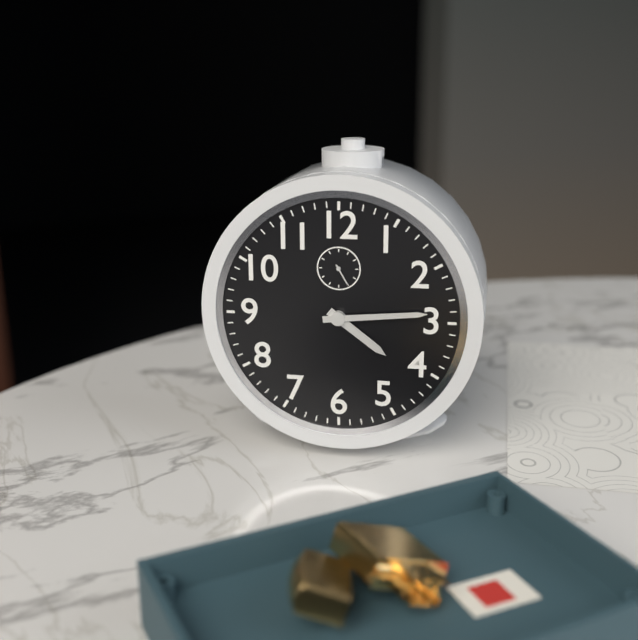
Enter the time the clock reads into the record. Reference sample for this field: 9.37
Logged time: 4.14
